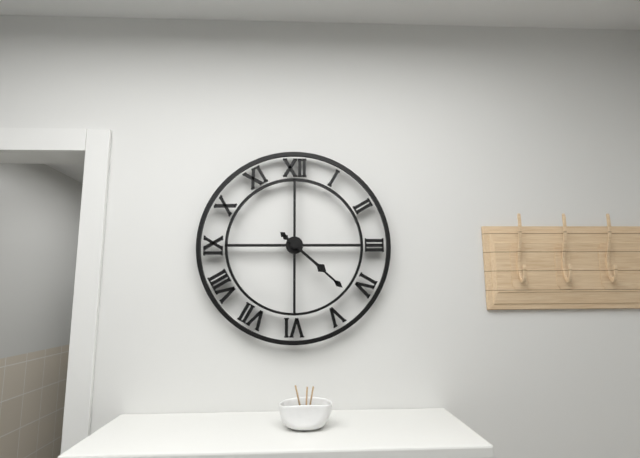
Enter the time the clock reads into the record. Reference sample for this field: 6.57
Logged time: 4.22
